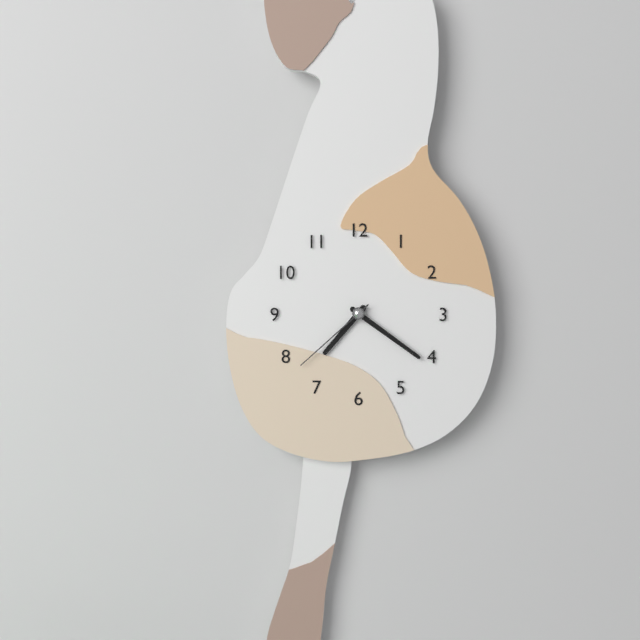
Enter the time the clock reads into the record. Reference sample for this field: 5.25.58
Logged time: 7.21.38
